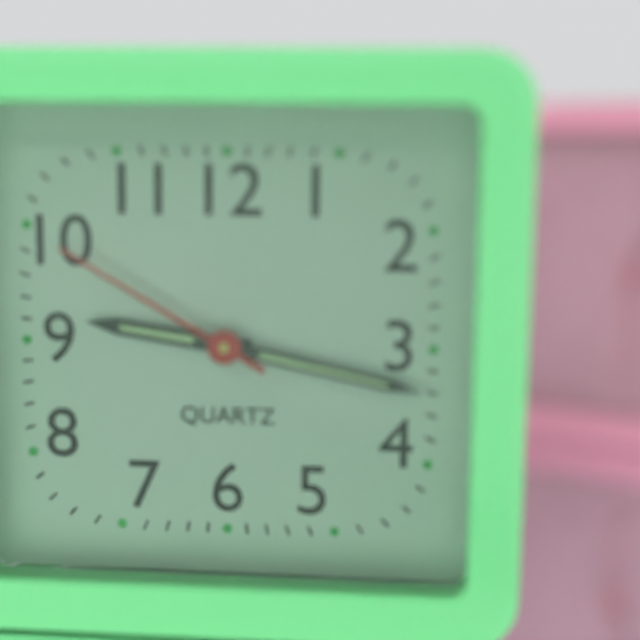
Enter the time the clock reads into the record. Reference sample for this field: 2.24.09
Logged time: 9.17.50
